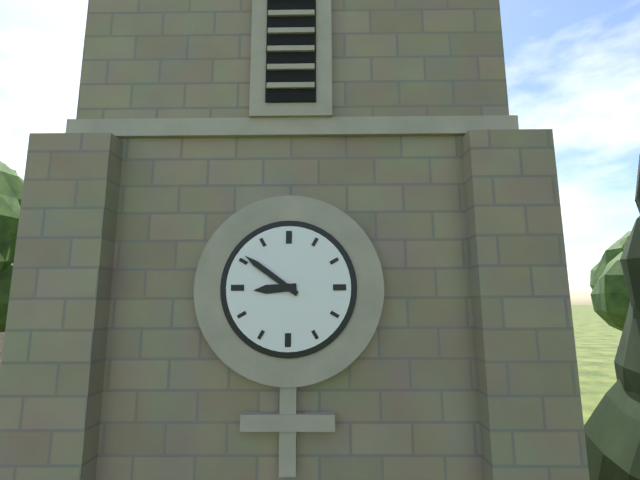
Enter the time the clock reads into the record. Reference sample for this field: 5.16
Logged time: 8.51
